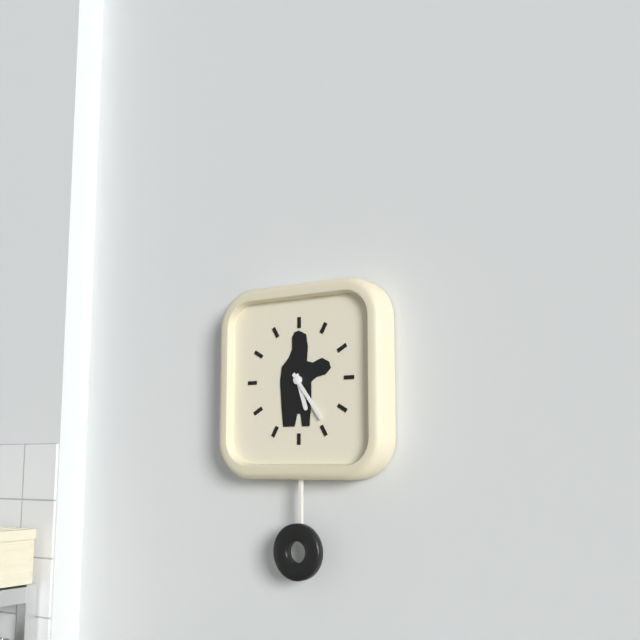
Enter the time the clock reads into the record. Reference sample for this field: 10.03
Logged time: 5.24
